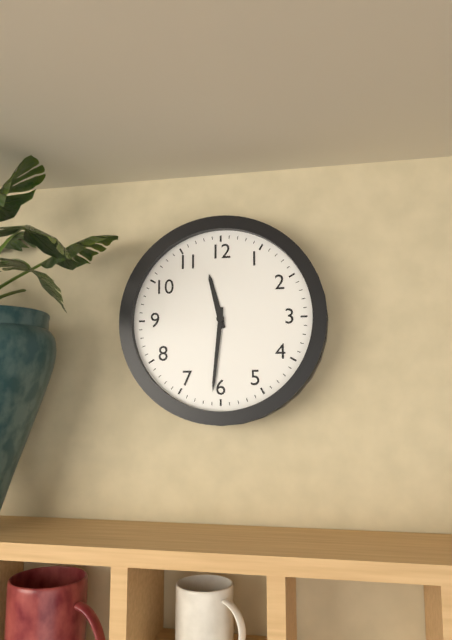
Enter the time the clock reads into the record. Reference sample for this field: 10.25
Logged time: 11.31
